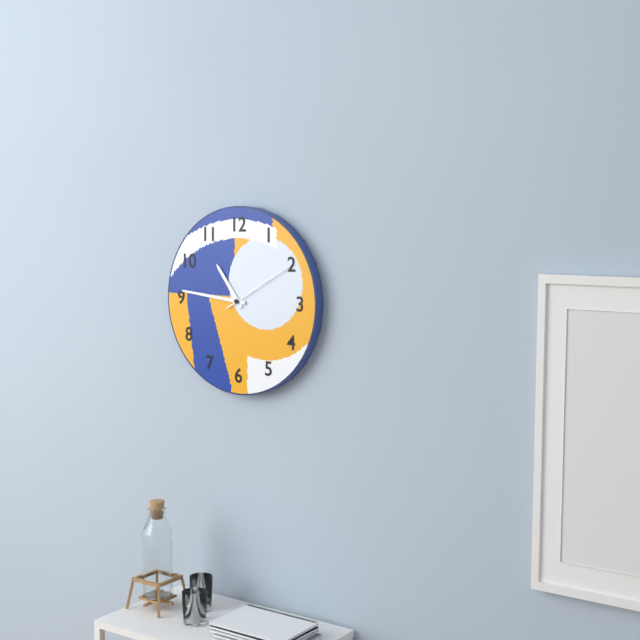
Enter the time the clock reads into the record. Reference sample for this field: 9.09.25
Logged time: 10.46.10
